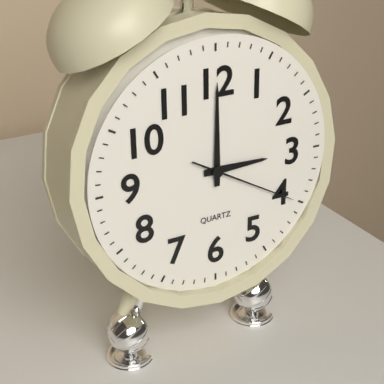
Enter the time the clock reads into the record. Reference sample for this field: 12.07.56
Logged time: 3.00.20
